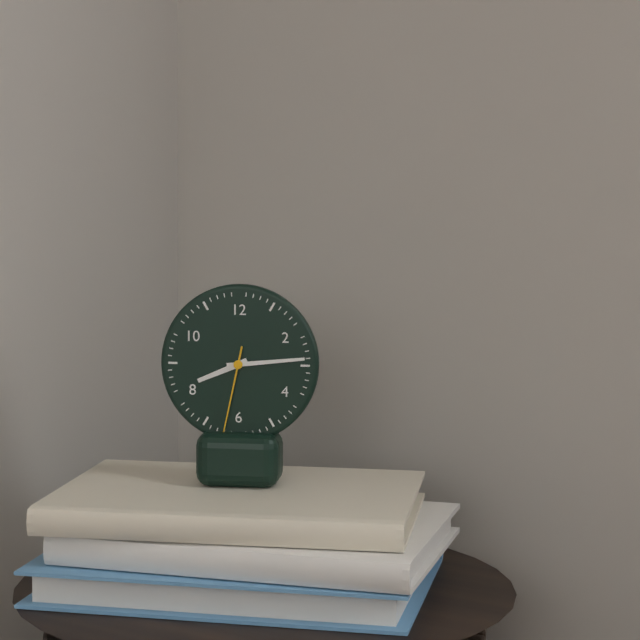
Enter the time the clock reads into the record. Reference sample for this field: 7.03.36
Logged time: 8.14.32
